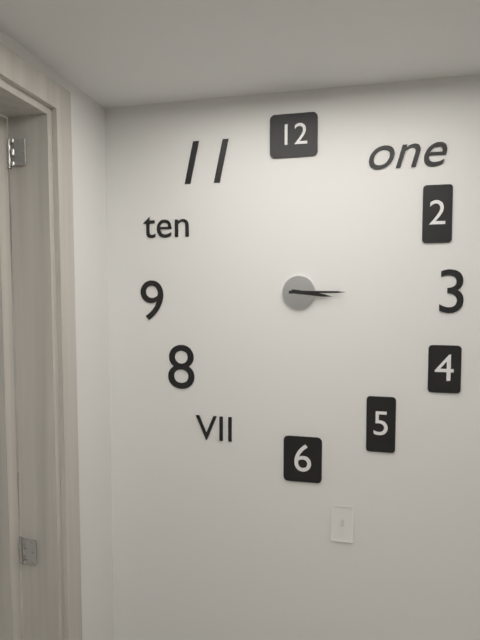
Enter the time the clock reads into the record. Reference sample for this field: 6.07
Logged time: 3.15
